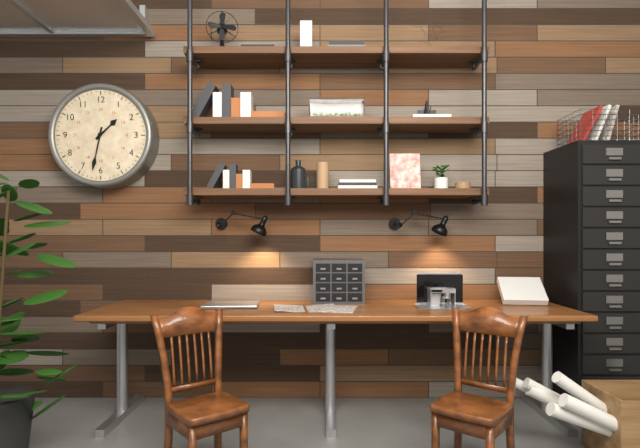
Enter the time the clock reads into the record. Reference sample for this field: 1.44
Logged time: 1.32
